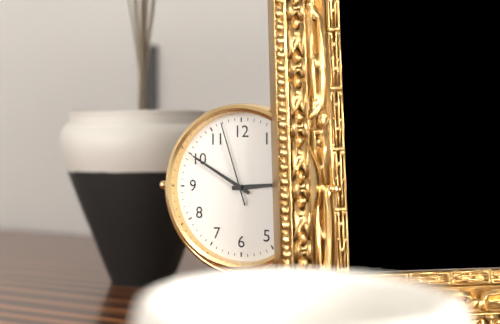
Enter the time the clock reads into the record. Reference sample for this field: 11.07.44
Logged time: 2.50.57
